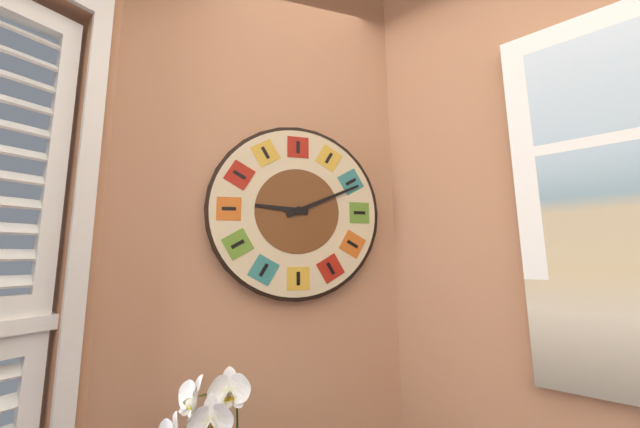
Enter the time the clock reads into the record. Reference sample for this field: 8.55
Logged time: 9.11
